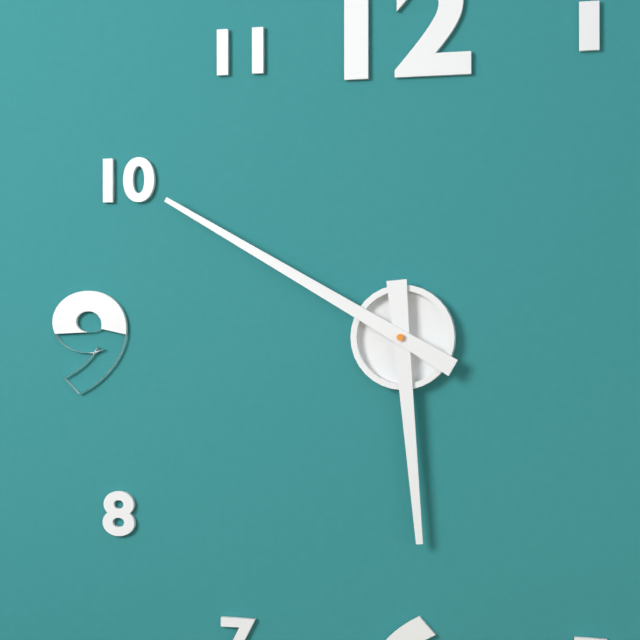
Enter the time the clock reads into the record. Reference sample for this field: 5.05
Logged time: 5.50
